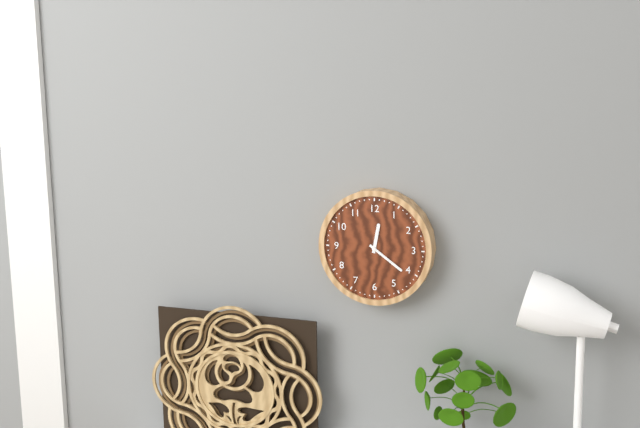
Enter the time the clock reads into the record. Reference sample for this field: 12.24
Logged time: 12.21
